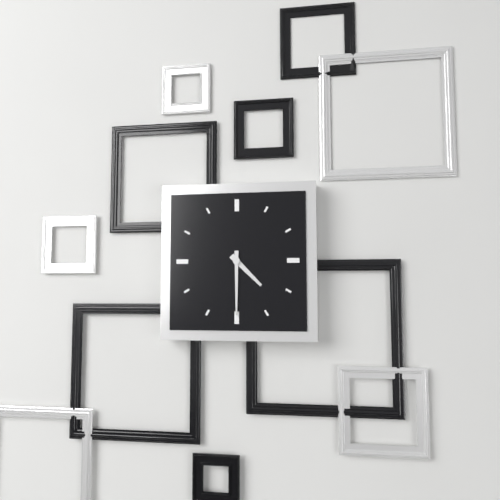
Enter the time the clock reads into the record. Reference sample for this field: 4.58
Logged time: 4.30
